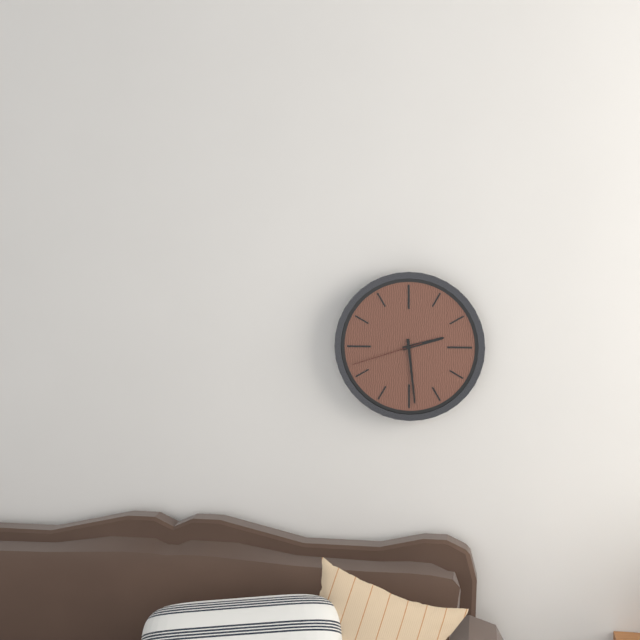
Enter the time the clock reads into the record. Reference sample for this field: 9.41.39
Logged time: 2.29.42
